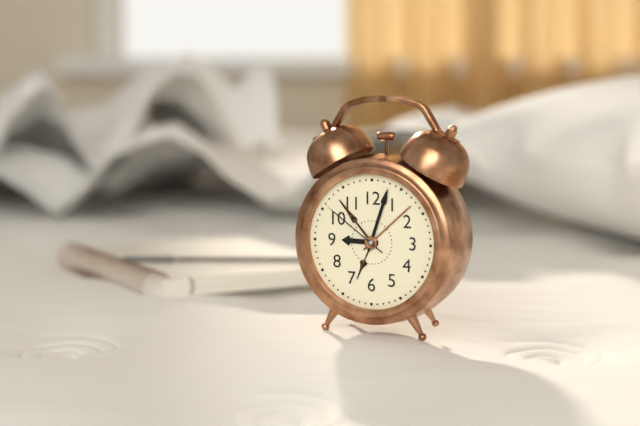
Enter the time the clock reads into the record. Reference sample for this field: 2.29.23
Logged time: 9.03.51
